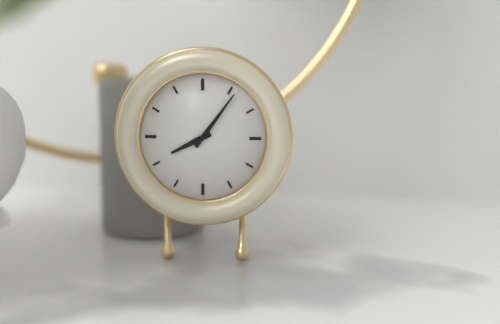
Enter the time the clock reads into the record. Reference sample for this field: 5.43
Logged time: 8.06
